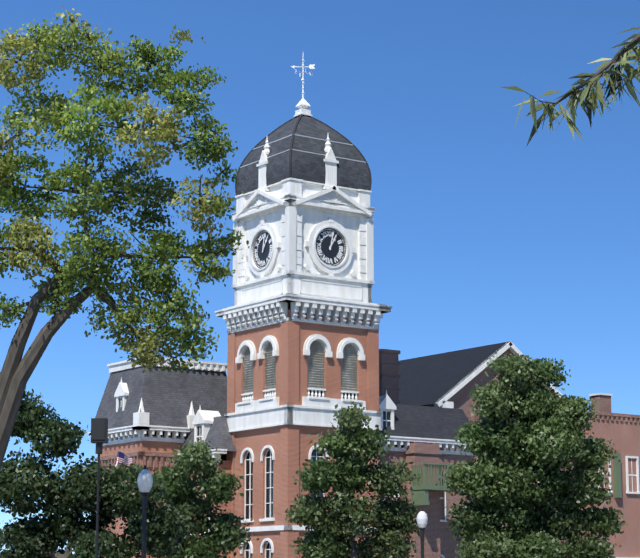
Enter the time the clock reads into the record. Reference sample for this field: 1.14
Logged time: 1.02
